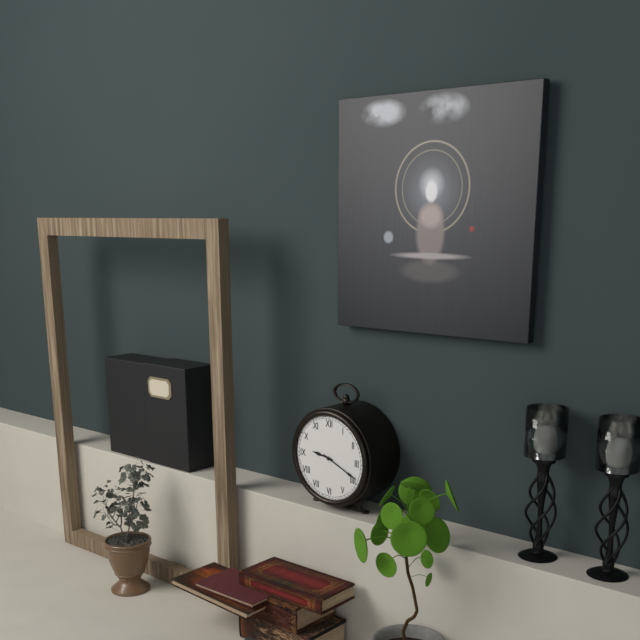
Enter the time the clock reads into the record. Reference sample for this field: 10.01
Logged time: 9.19
